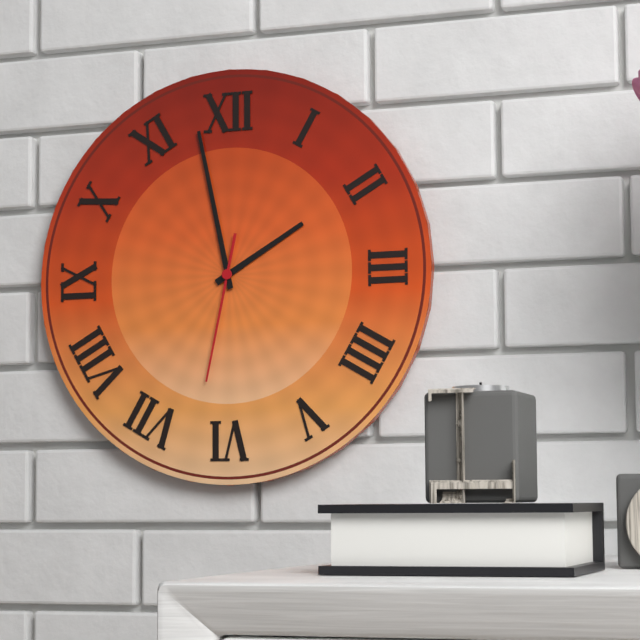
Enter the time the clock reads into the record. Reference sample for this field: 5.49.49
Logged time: 1.58.32
